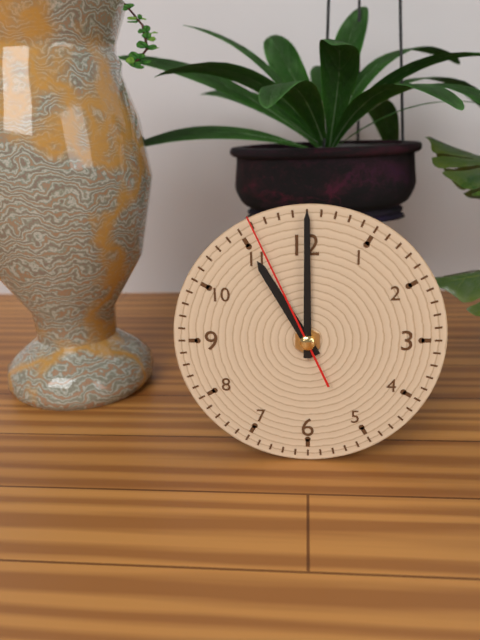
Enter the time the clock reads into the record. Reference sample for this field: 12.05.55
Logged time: 11.00.56
